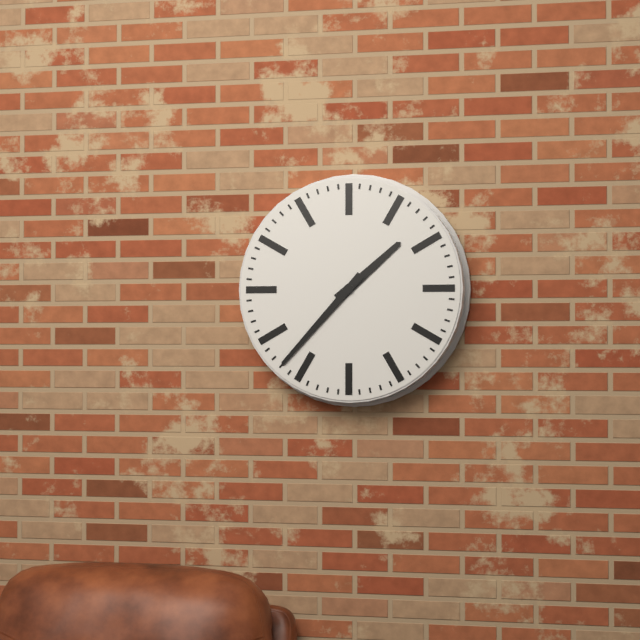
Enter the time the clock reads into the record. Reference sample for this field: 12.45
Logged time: 1.37
